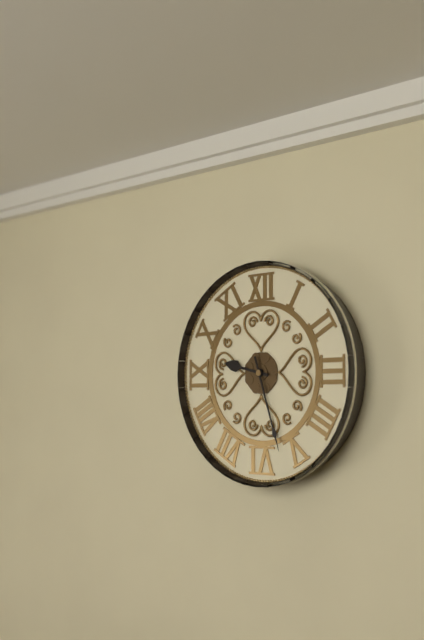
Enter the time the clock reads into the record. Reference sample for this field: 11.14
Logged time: 9.27
